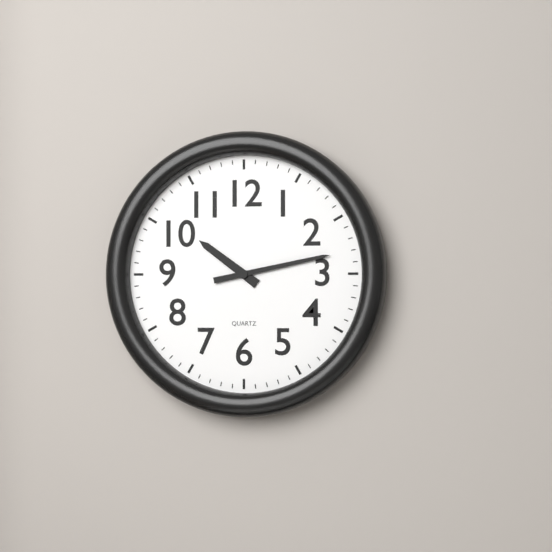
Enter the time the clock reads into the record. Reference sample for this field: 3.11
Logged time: 10.13
